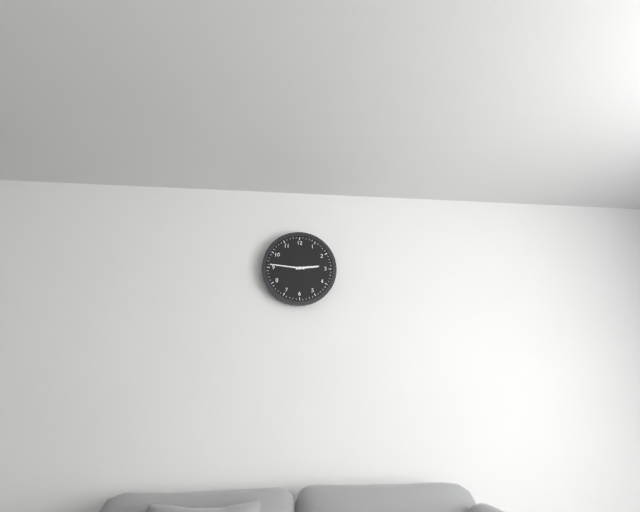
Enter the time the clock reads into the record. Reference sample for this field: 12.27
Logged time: 2.46
